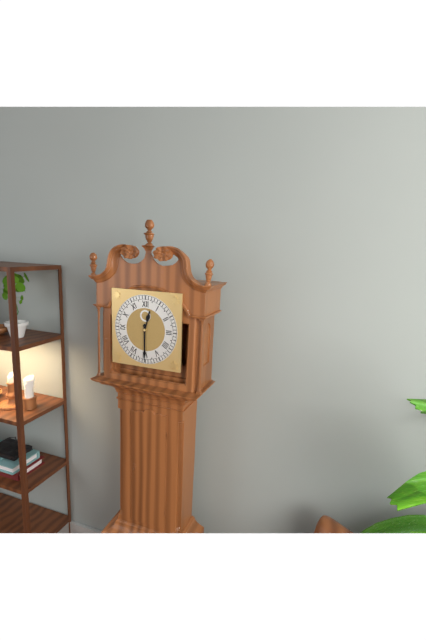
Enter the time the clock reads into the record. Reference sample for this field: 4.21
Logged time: 12.30
